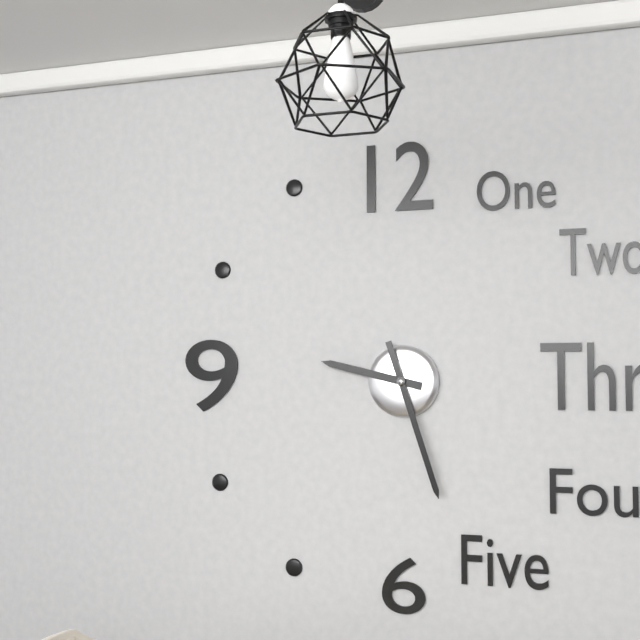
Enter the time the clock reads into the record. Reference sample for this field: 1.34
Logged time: 9.27
